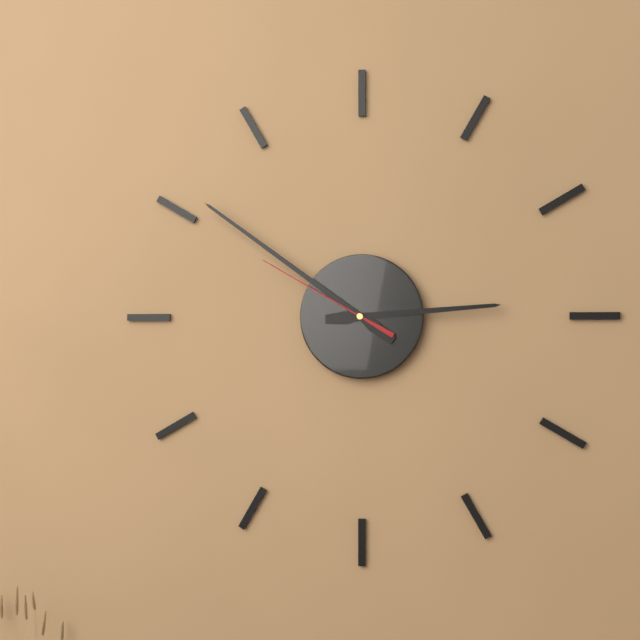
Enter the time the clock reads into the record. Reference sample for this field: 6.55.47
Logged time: 2.51.50
